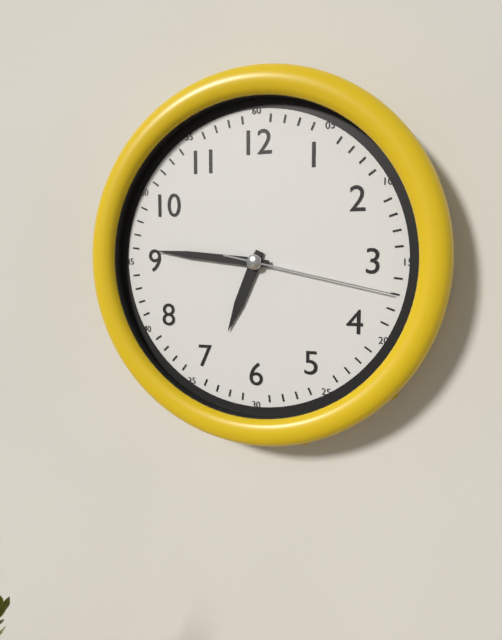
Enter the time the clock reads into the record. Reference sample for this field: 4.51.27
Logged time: 6.46.17
